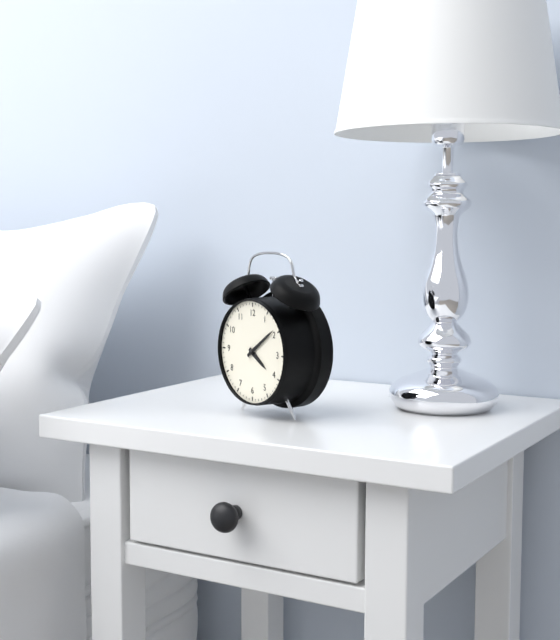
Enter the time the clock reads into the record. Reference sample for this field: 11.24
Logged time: 4.09
